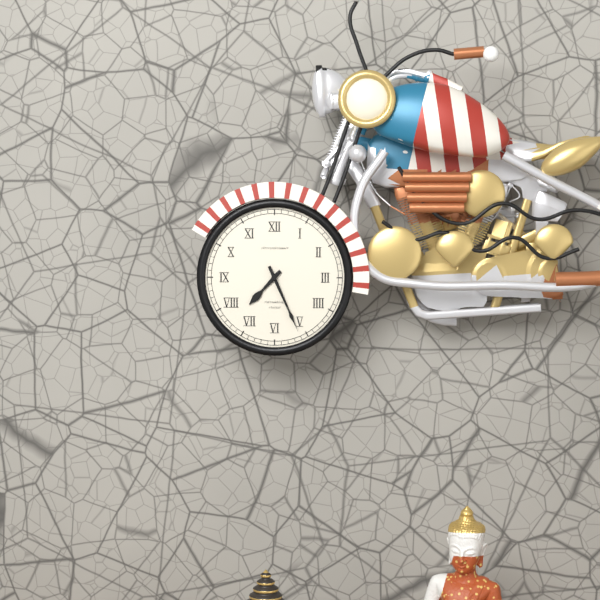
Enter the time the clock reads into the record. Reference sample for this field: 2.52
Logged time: 7.26
